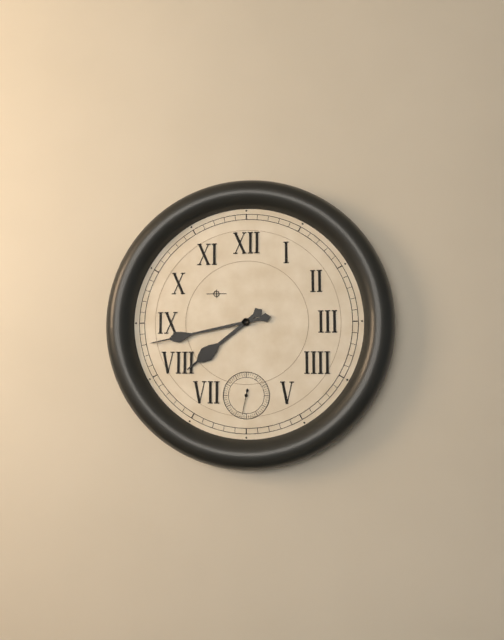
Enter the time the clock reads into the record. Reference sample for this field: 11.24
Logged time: 7.43
